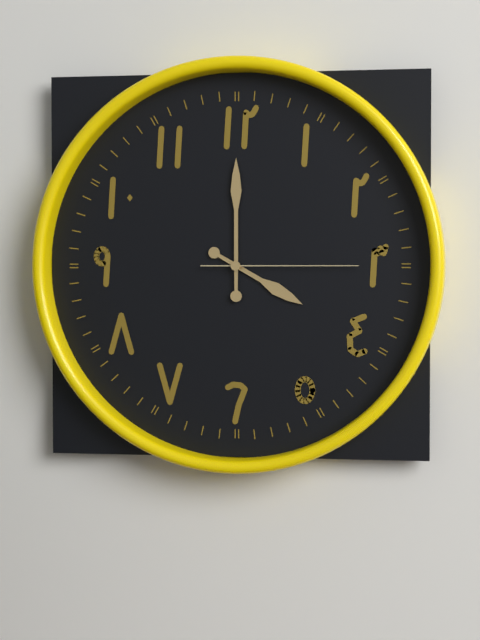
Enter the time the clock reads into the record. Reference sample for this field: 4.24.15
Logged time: 4.00.15
